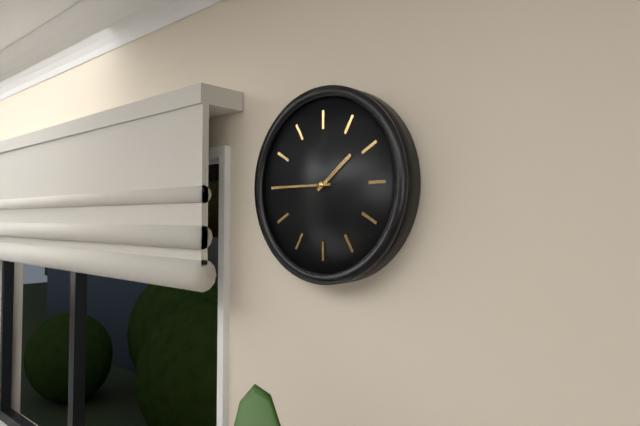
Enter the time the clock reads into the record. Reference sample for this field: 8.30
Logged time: 1.45
